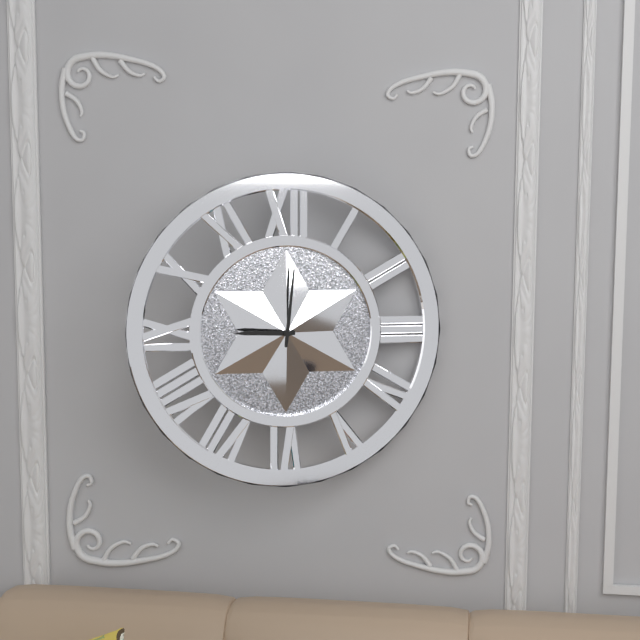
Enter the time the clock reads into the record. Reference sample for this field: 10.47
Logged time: 9.01
